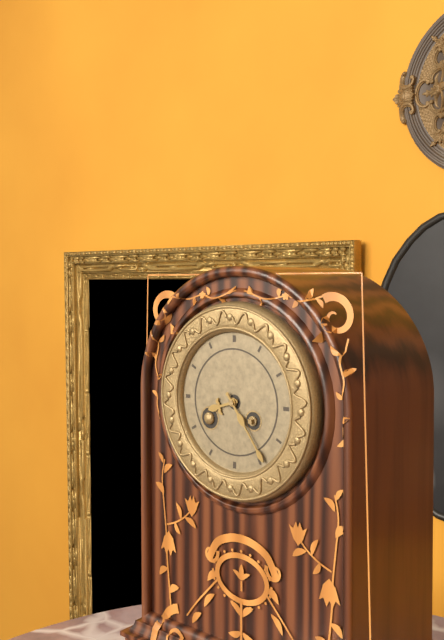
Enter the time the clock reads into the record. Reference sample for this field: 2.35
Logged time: 8.24
